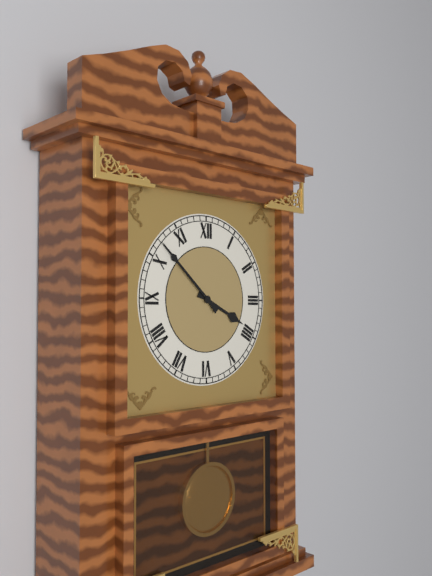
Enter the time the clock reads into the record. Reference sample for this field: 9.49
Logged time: 3.52
